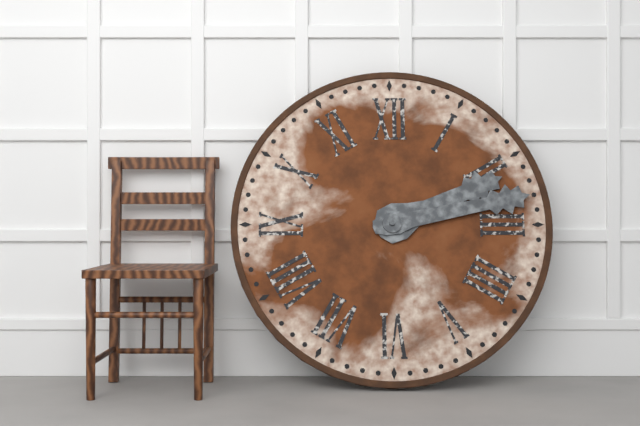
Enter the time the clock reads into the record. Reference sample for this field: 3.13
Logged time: 2.13
